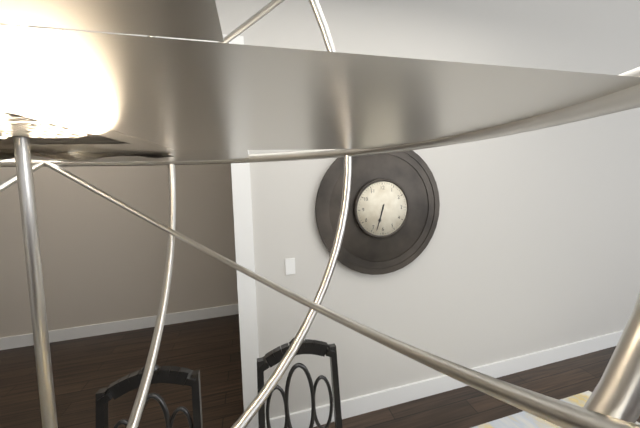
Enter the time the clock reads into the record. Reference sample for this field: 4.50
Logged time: 6.33
